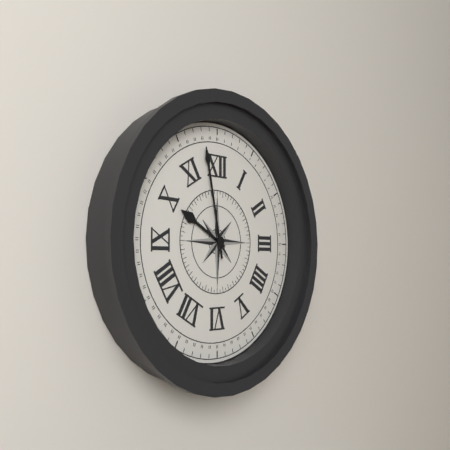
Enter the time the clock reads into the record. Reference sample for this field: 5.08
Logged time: 9.58
